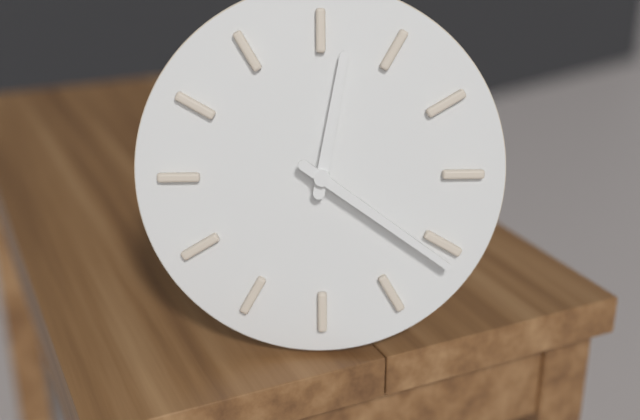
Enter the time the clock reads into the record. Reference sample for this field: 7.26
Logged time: 12.21
